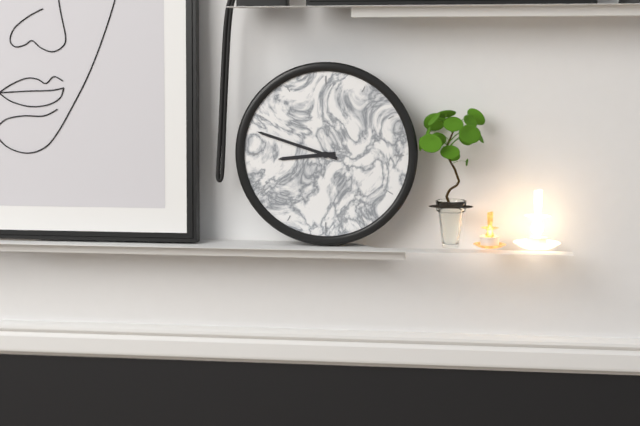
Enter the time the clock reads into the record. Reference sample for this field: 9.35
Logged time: 8.48
